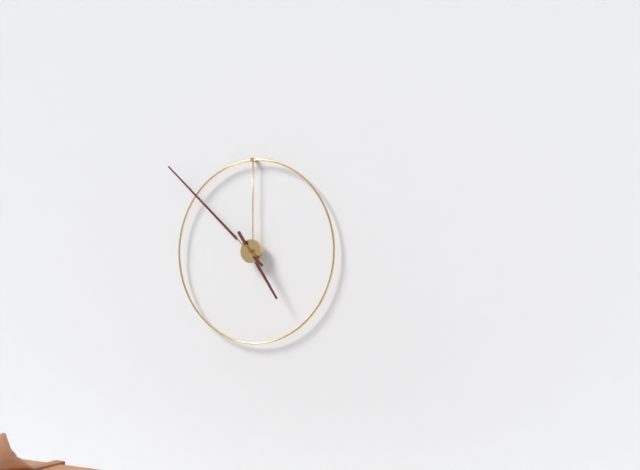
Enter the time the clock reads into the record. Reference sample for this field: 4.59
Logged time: 4.52
